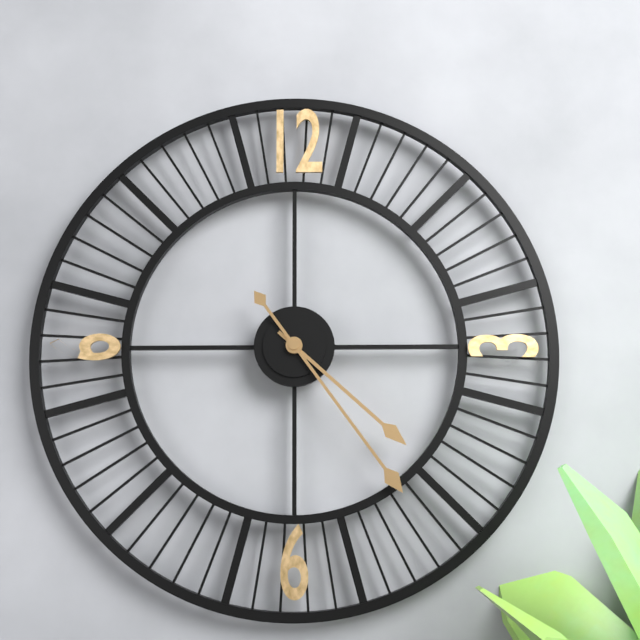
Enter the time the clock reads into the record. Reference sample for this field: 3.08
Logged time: 4.24
